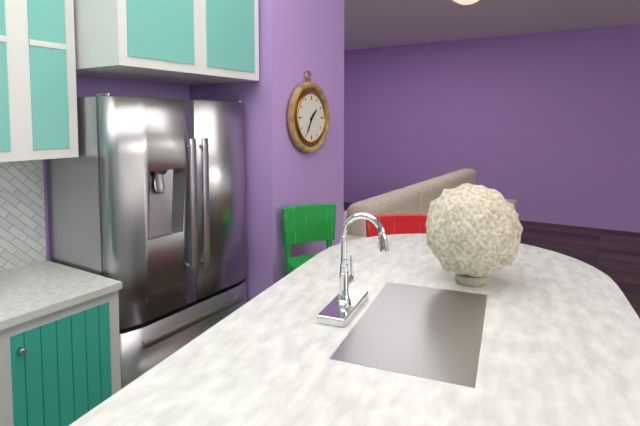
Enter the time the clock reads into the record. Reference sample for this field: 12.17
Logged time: 1.35
